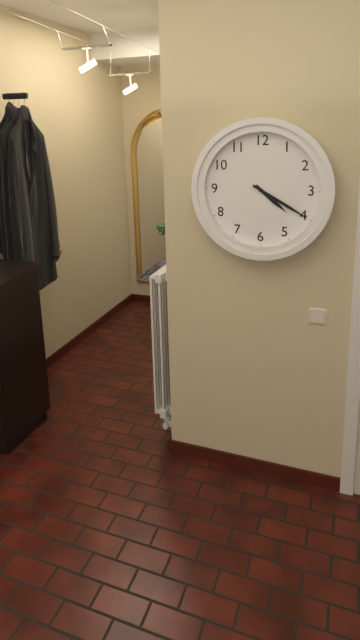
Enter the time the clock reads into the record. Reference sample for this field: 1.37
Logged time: 4.20
